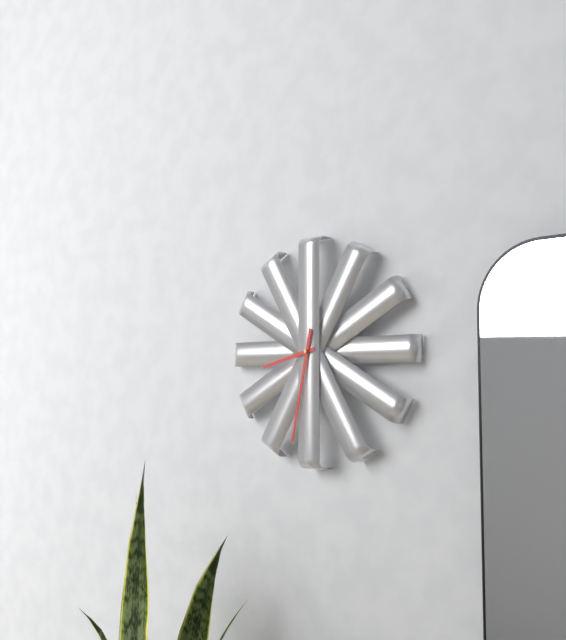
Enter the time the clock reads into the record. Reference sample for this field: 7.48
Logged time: 8.32
